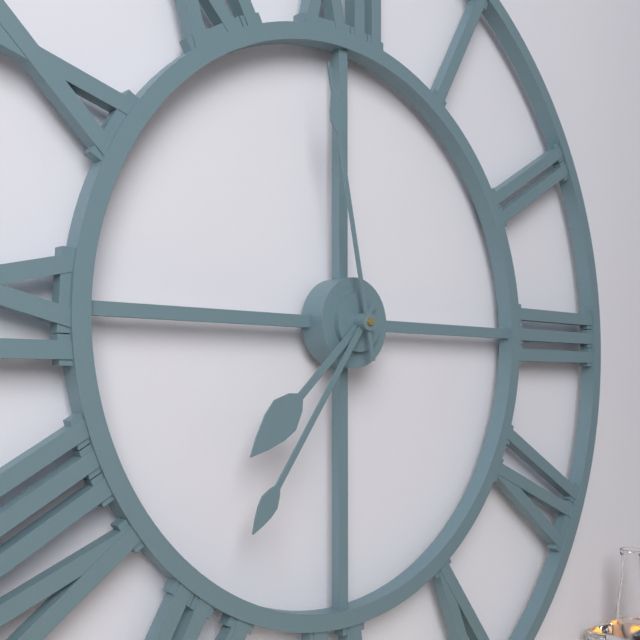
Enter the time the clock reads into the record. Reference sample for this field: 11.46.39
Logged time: 7.36.58
